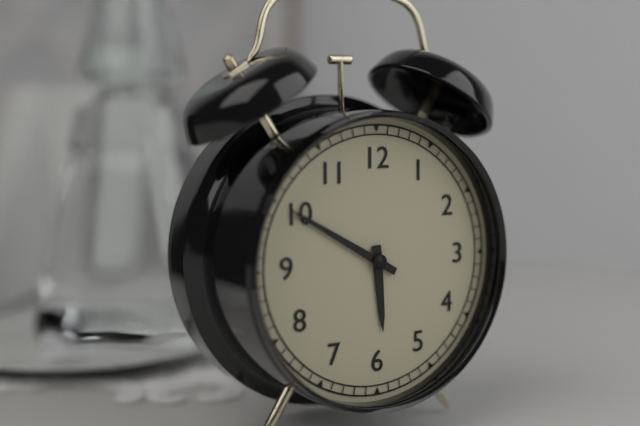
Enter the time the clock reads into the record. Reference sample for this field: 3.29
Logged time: 5.50
